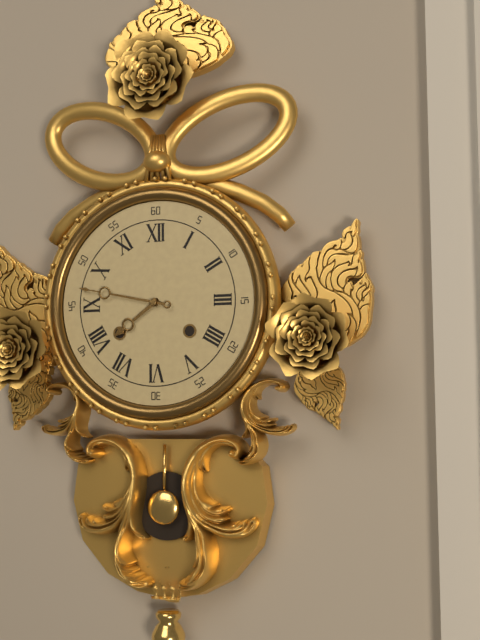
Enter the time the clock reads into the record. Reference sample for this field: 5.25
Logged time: 7.47
